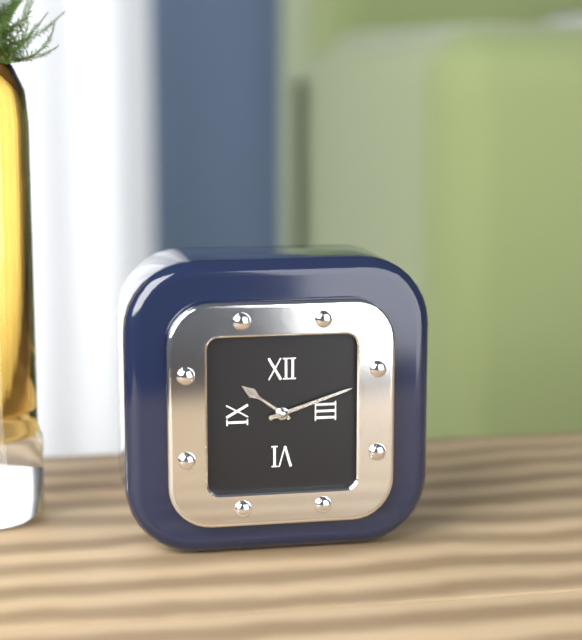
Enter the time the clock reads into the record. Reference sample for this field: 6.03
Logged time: 10.12
